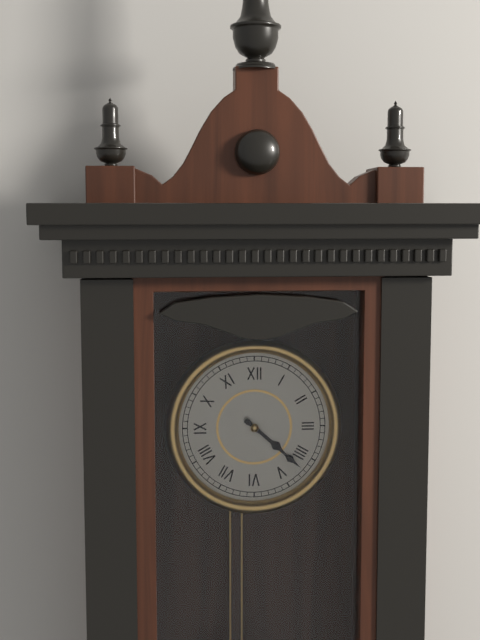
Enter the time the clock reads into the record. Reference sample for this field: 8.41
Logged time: 4.22
